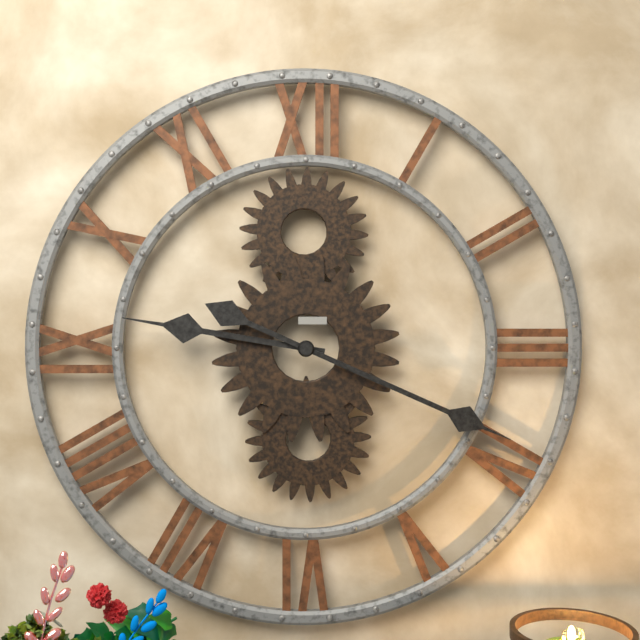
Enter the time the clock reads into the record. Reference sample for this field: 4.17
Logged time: 9.19
